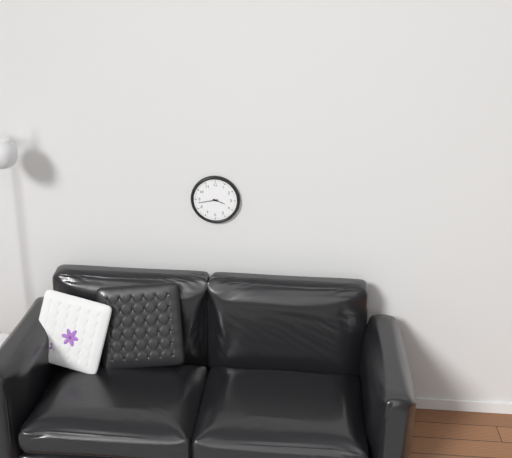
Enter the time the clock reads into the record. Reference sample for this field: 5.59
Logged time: 3.43
